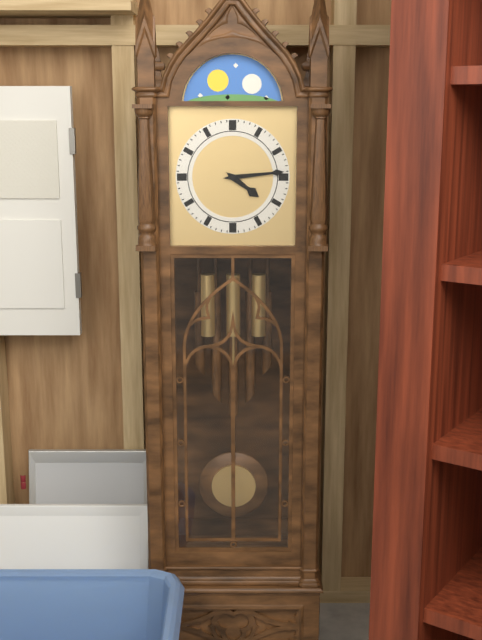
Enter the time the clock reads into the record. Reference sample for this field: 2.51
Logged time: 4.14
